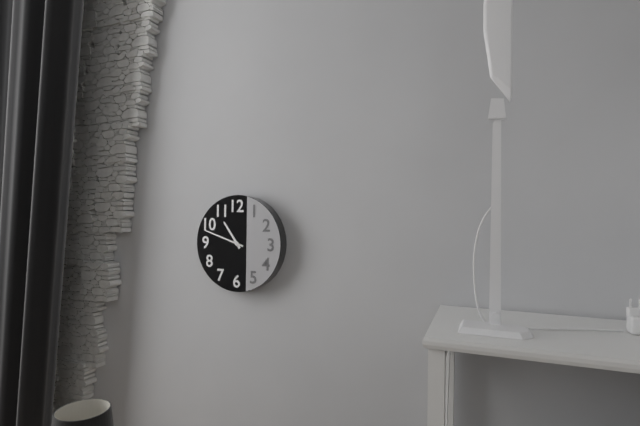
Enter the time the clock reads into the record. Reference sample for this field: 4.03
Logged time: 10.48
